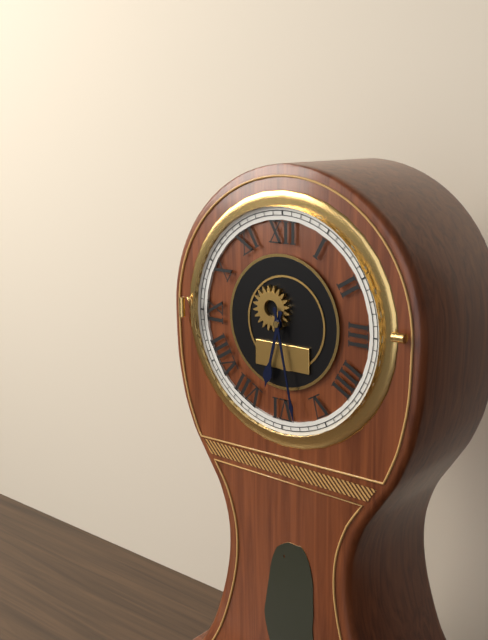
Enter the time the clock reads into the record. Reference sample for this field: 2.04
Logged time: 6.28
